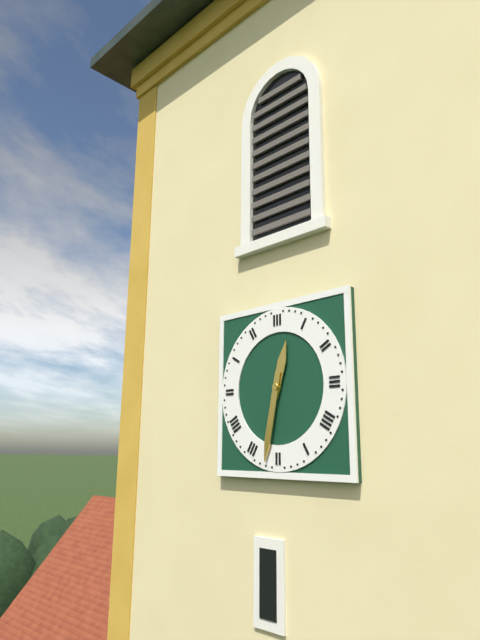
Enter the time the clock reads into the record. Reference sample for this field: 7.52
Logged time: 12.32
